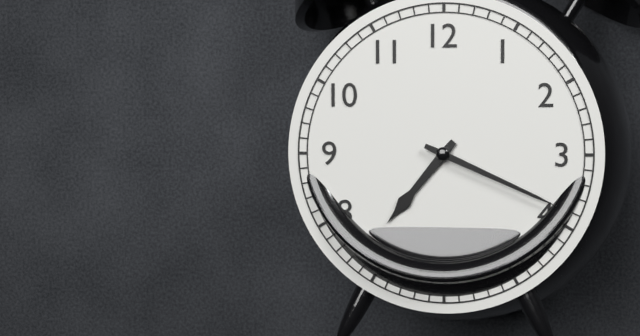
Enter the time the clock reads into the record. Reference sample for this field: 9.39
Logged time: 7.19
